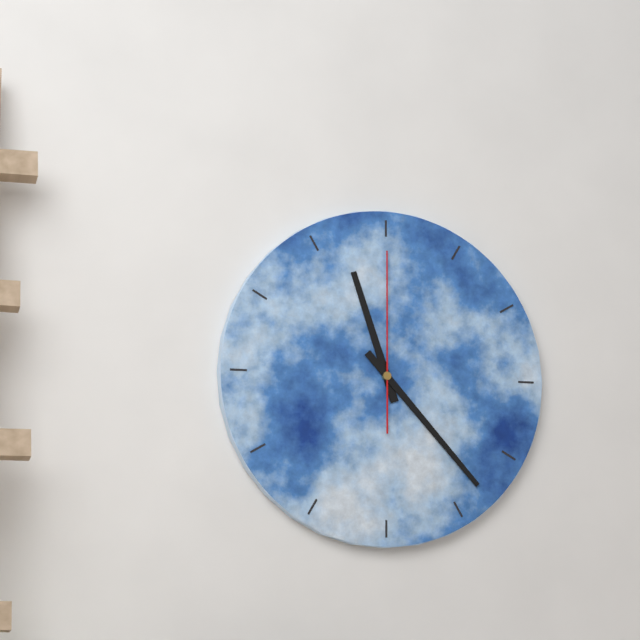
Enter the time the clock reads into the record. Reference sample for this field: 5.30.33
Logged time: 11.23.00
